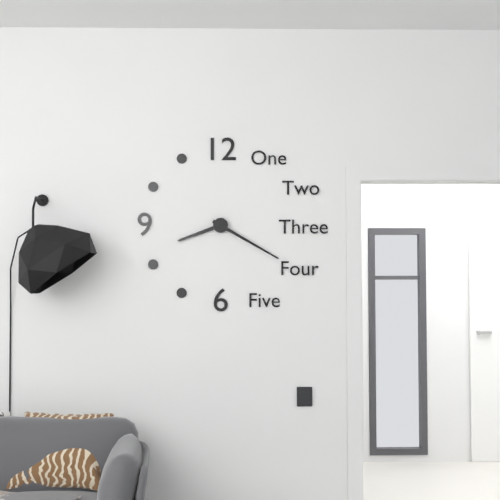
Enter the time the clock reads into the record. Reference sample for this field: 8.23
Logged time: 8.20
